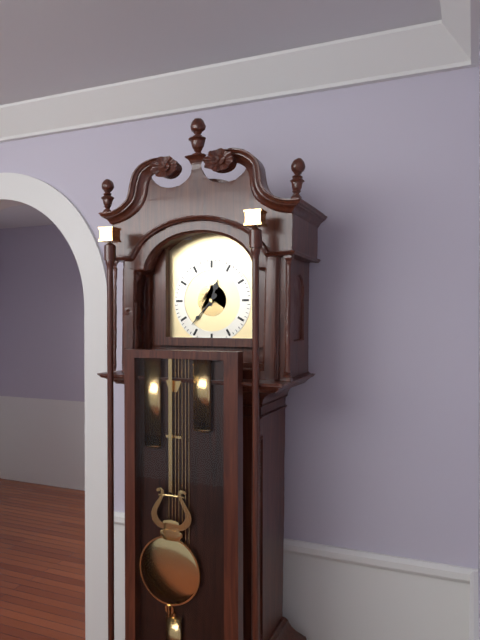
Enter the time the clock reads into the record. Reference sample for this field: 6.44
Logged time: 12.37
